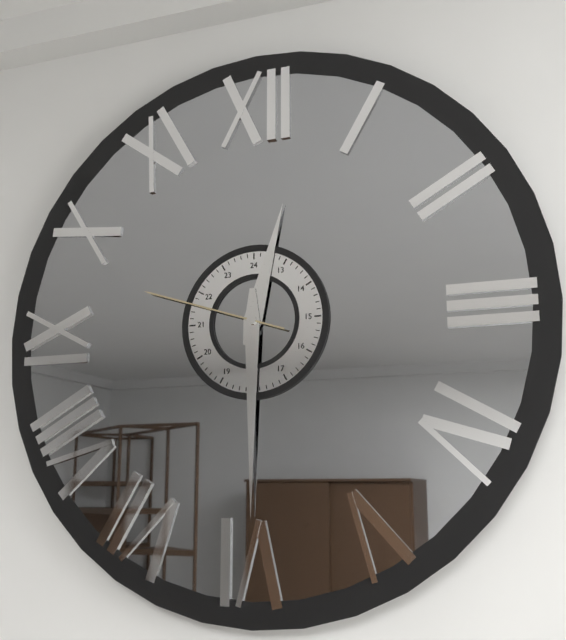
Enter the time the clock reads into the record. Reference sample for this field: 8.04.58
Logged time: 12.30.48
